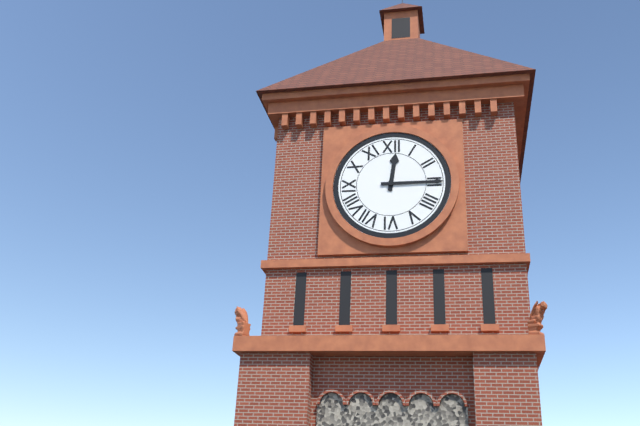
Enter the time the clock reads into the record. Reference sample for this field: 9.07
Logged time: 12.15
